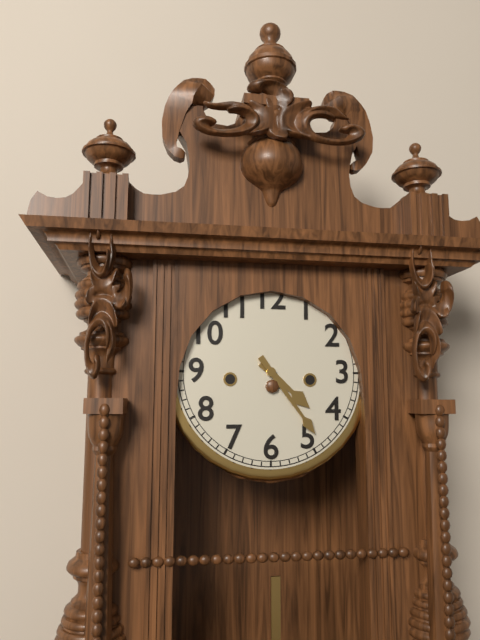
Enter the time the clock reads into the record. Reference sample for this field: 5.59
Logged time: 4.24
